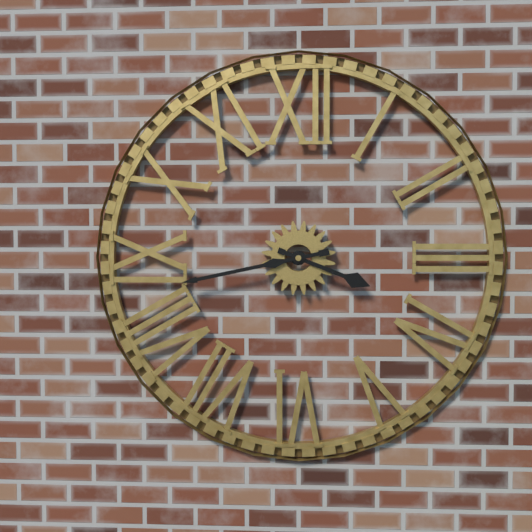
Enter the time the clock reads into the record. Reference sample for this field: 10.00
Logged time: 3.43
